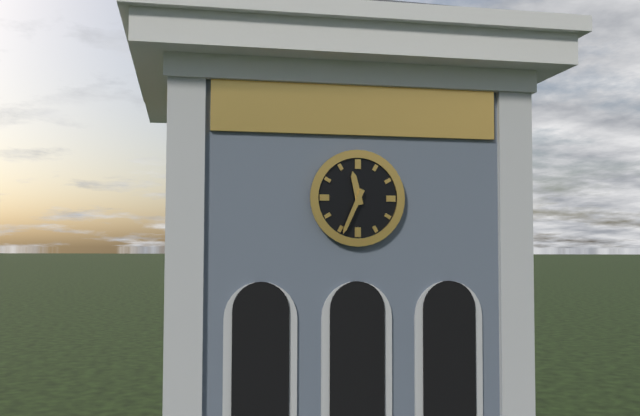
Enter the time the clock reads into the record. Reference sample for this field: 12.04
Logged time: 11.34
